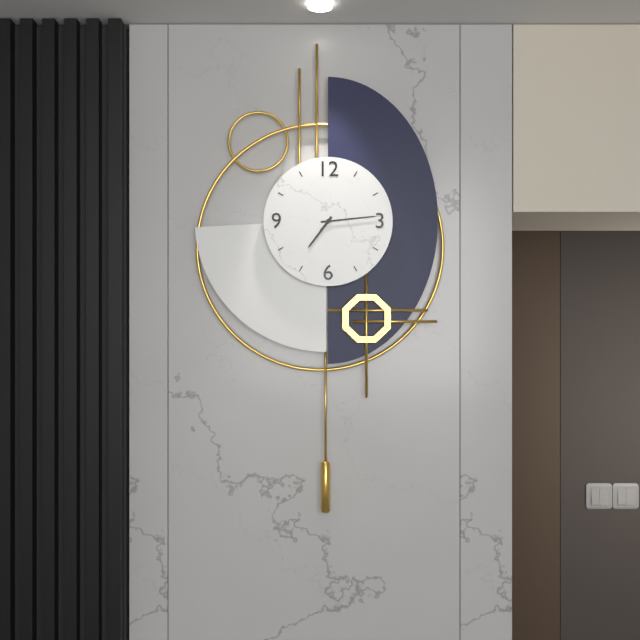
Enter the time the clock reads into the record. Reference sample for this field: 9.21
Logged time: 7.14
